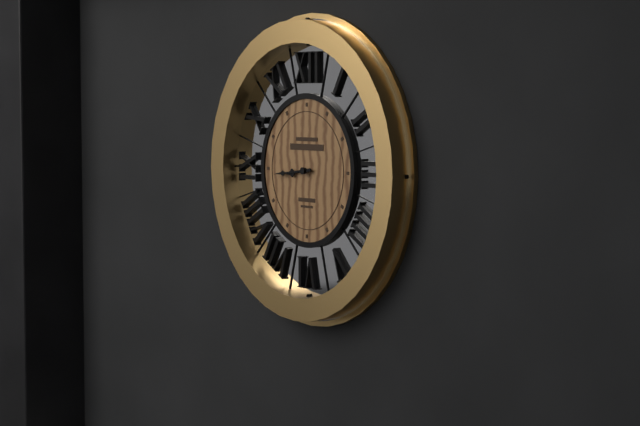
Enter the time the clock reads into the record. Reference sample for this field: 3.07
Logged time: 8.44
